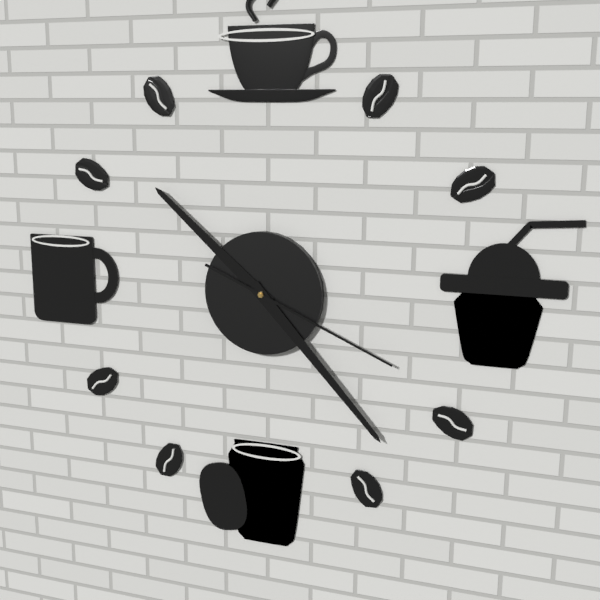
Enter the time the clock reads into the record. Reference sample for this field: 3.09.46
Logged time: 10.23.19
